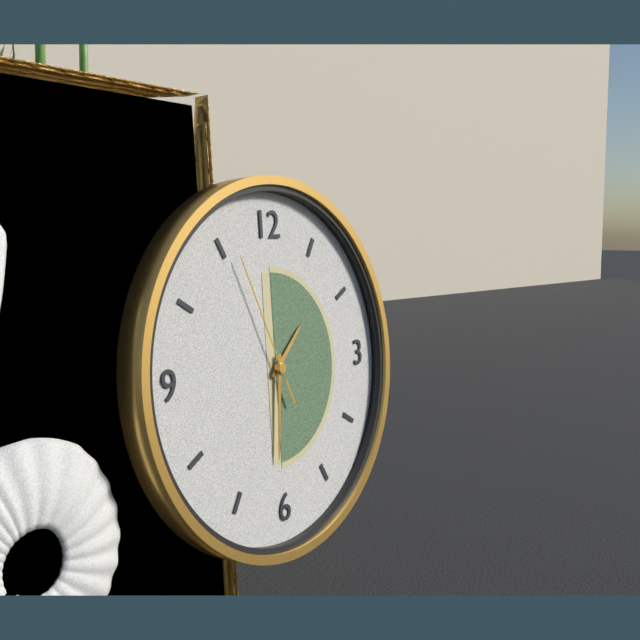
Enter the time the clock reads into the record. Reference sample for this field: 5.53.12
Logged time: 1.31.56
